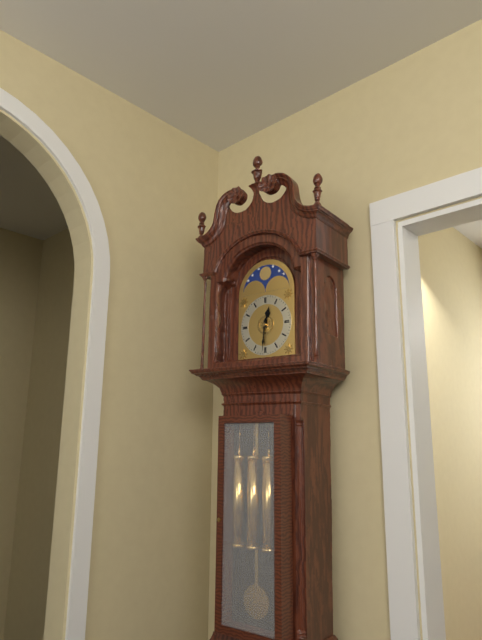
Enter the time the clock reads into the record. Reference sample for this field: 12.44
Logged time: 12.31
